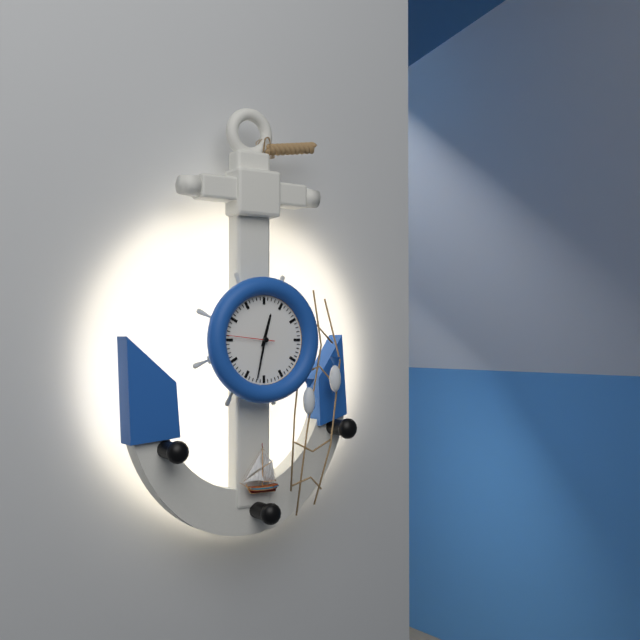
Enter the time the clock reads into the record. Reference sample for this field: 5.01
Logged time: 12.32
